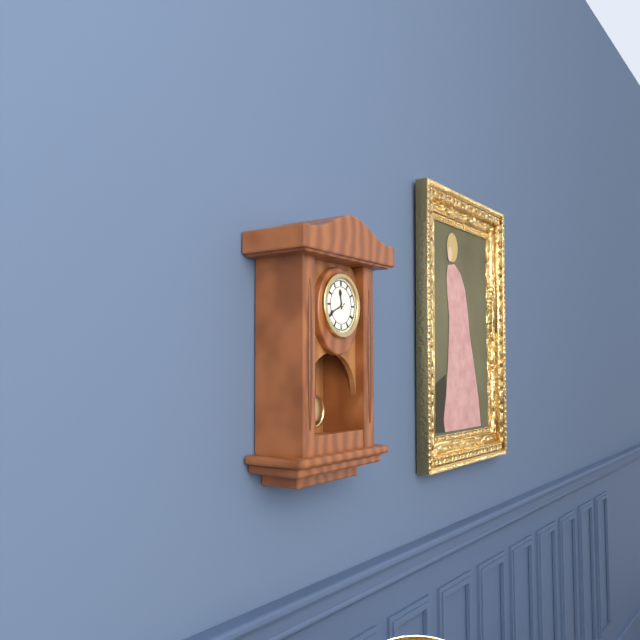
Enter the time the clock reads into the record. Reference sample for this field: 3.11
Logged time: 11.41
